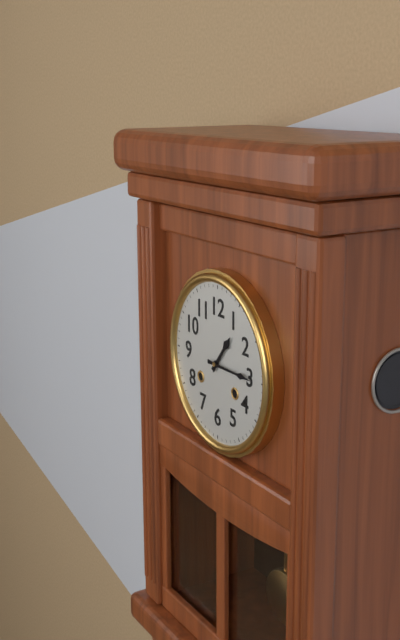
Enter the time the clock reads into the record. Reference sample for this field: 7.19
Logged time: 1.15
